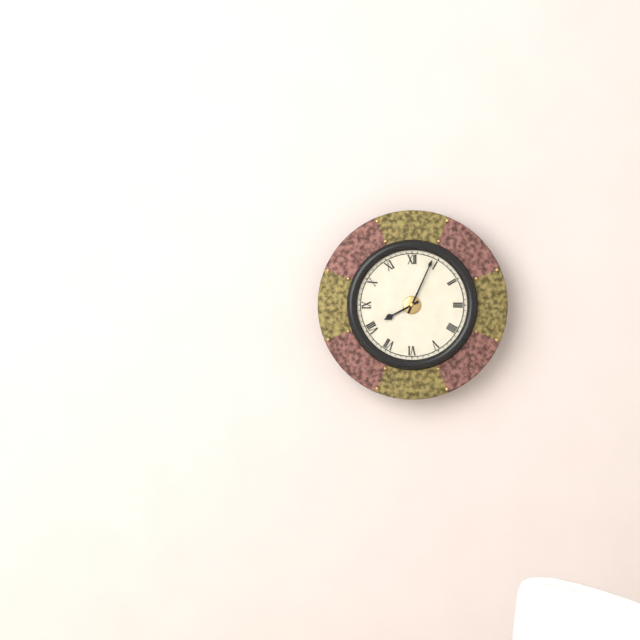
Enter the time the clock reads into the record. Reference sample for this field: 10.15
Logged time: 8.04
